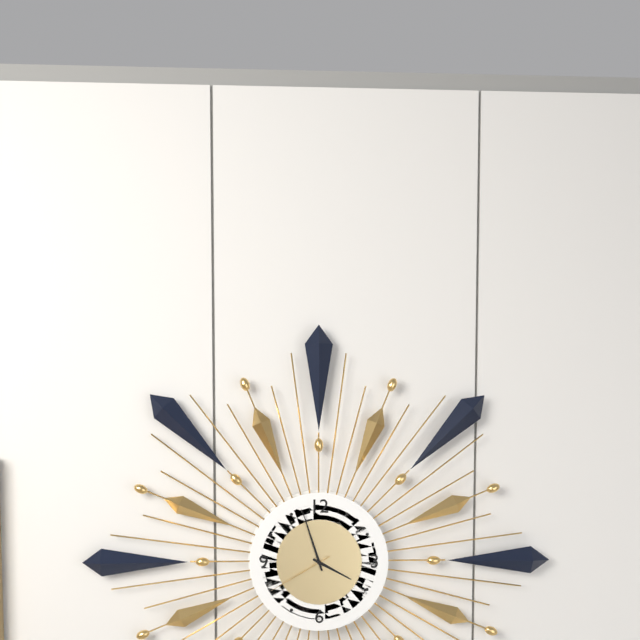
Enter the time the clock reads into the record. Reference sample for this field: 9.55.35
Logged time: 3.57.40
